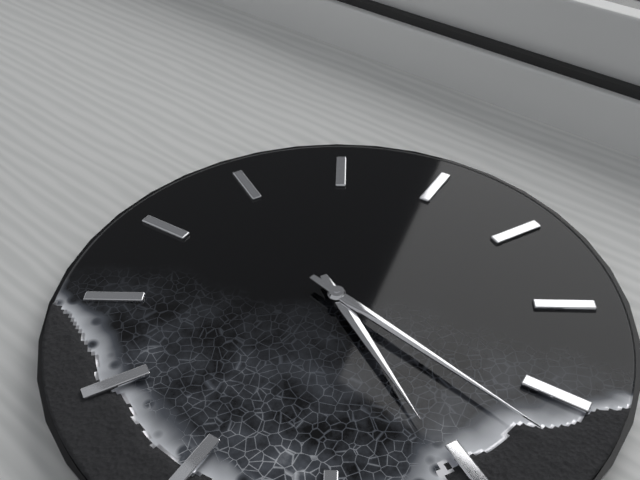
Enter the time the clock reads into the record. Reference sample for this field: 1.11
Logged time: 2.07
